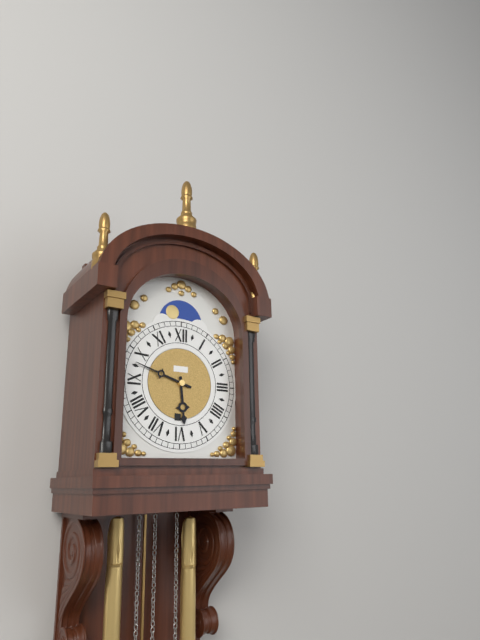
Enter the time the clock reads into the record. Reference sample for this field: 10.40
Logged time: 5.48
